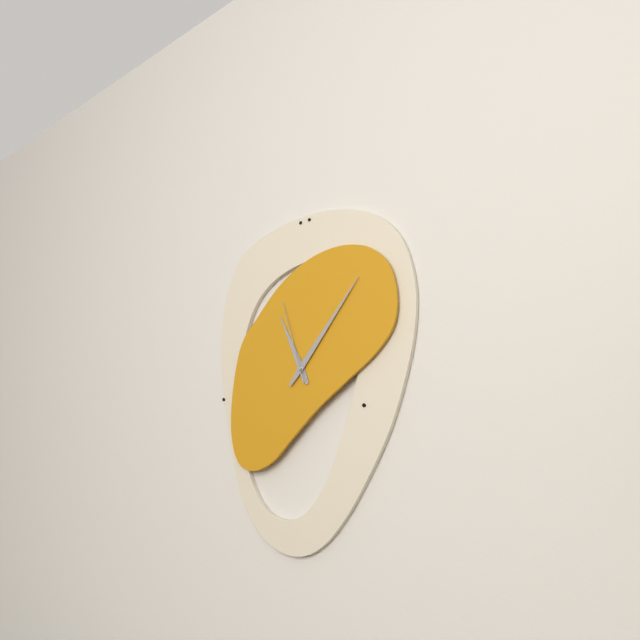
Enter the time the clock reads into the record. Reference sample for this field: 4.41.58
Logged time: 11.07.57
